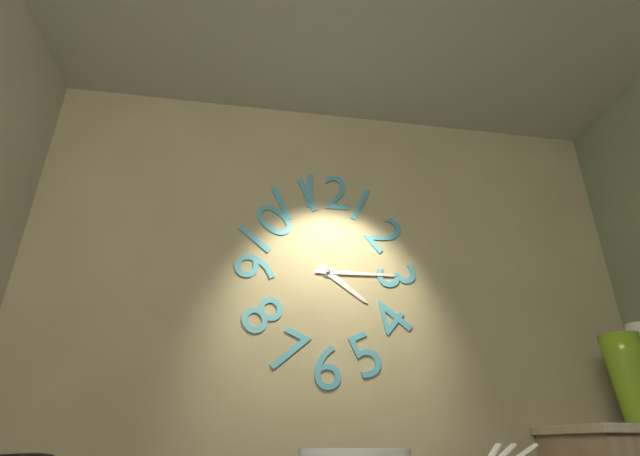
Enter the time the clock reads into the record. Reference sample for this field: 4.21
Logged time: 4.15
